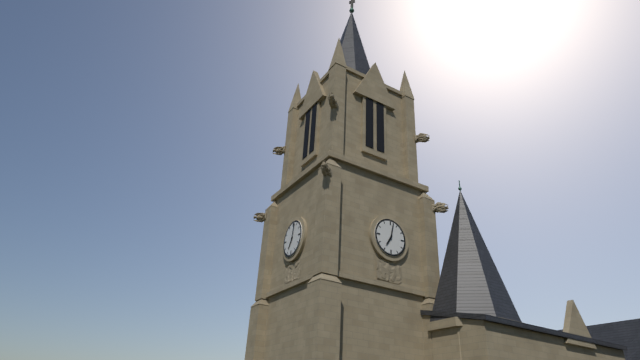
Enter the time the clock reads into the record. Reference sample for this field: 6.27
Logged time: 7.02
